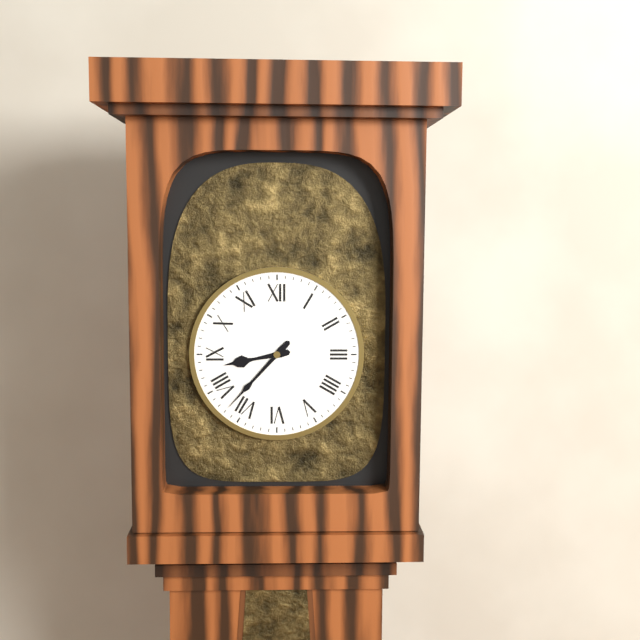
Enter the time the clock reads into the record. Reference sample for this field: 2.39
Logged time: 8.37
